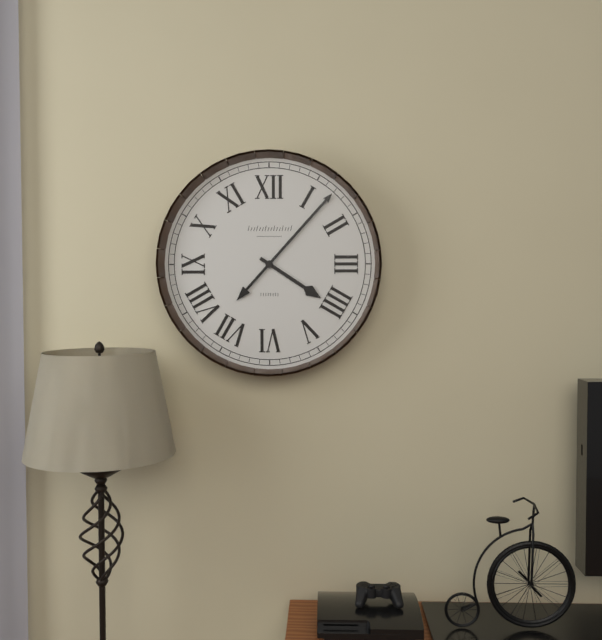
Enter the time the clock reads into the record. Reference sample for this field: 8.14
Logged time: 4.07
